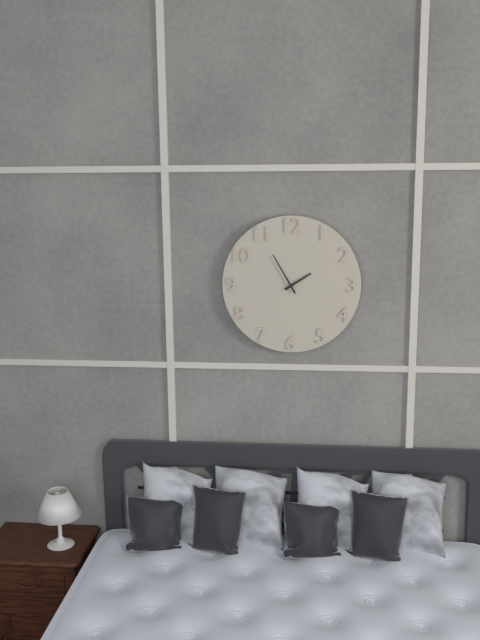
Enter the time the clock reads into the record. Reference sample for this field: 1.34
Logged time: 1.55
